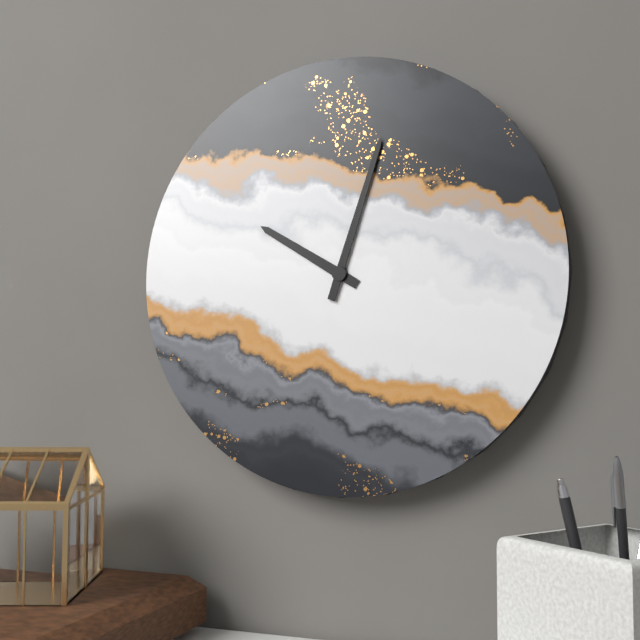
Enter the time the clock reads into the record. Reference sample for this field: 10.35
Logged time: 10.03
